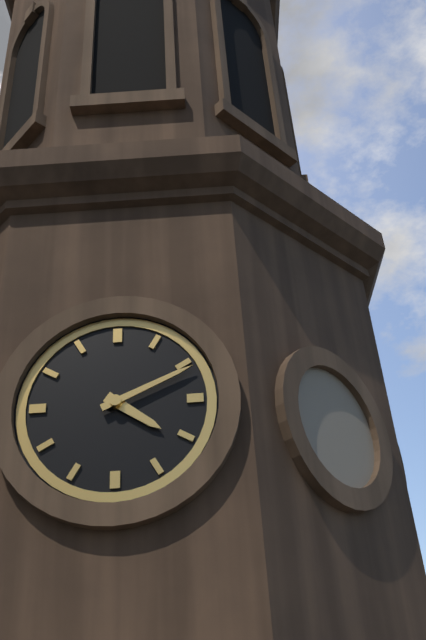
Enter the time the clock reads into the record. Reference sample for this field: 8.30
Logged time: 4.11
